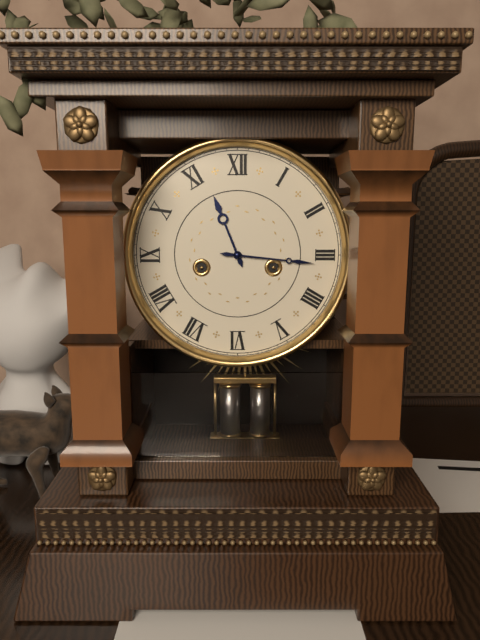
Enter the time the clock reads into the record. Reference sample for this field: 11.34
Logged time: 11.16
